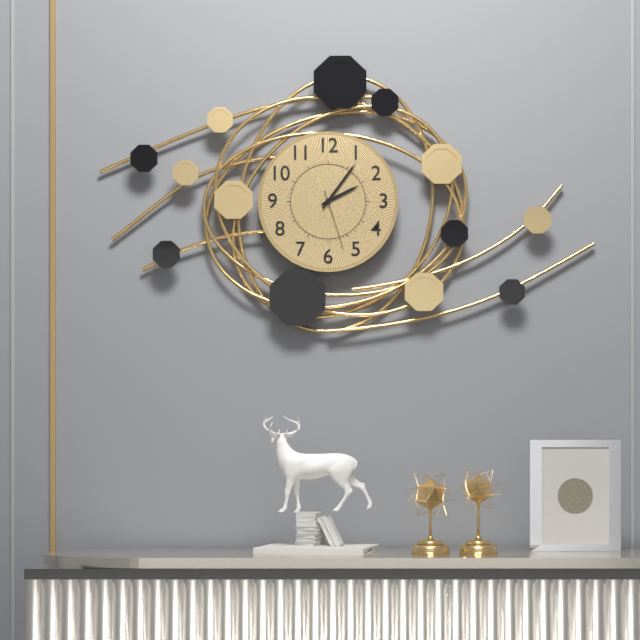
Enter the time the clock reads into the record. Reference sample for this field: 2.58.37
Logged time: 2.06.27
